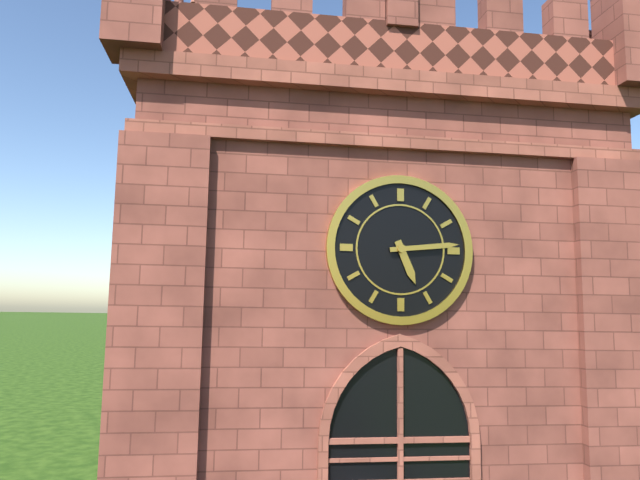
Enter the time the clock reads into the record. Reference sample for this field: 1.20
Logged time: 5.14
